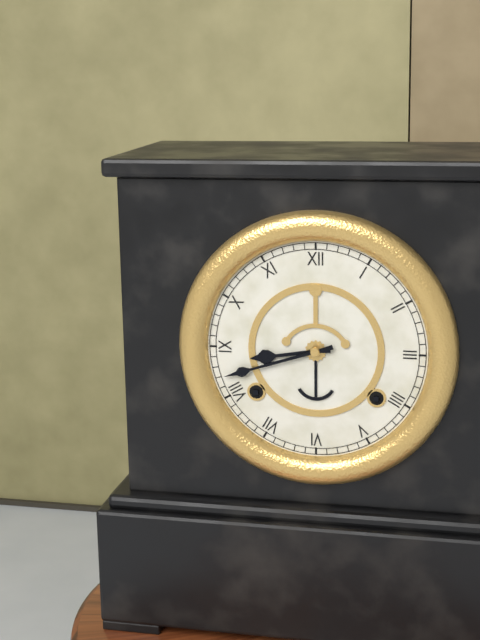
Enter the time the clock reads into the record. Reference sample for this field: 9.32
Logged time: 8.42
